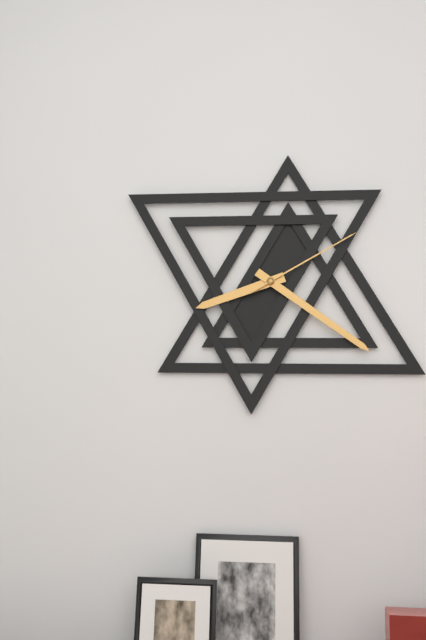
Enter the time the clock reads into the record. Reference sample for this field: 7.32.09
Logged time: 8.21.10
